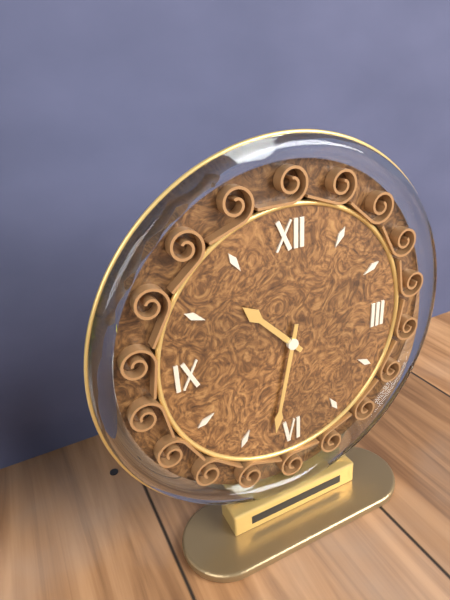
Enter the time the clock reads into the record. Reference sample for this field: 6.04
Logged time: 10.32
